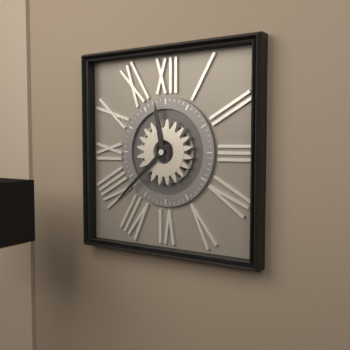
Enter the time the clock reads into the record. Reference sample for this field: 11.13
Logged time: 11.38
